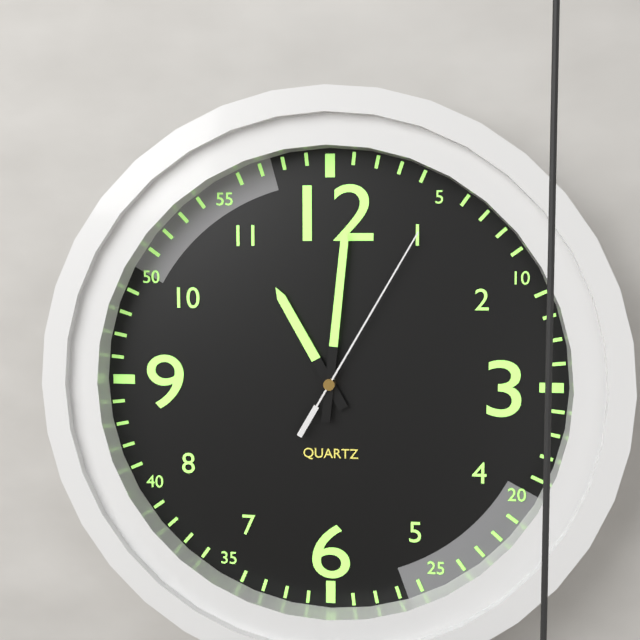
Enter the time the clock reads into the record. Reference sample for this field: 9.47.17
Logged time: 11.01.05
